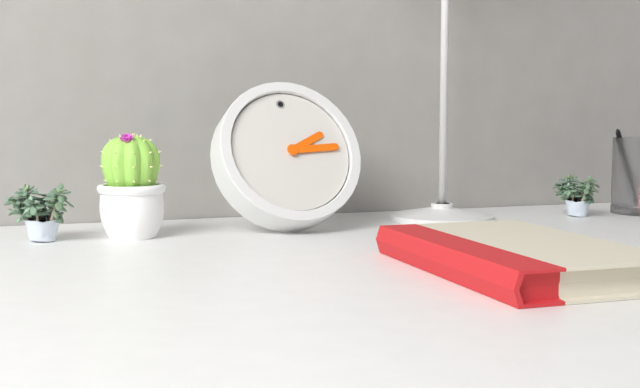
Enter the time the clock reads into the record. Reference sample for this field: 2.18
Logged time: 2.15
